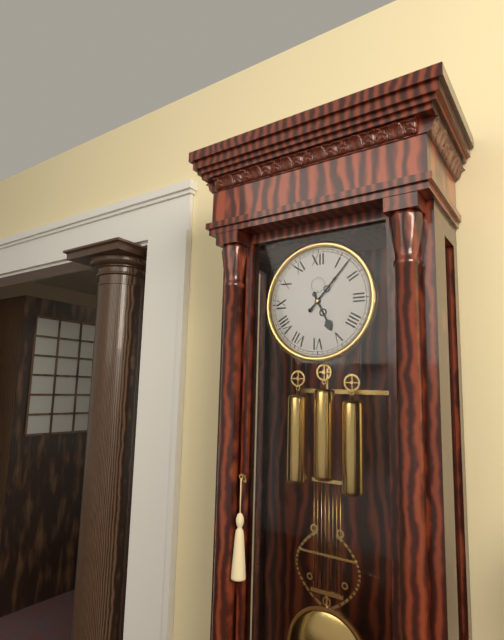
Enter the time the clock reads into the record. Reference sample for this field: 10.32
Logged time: 5.07
